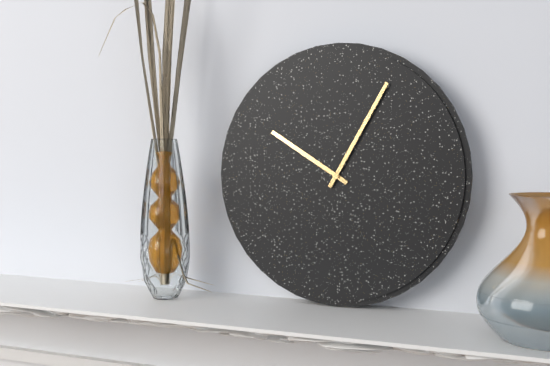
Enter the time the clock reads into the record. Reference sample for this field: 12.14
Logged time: 10.05
